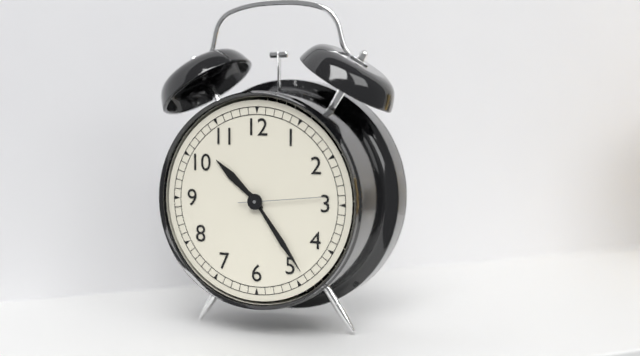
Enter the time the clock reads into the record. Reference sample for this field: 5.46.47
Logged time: 10.24.14
